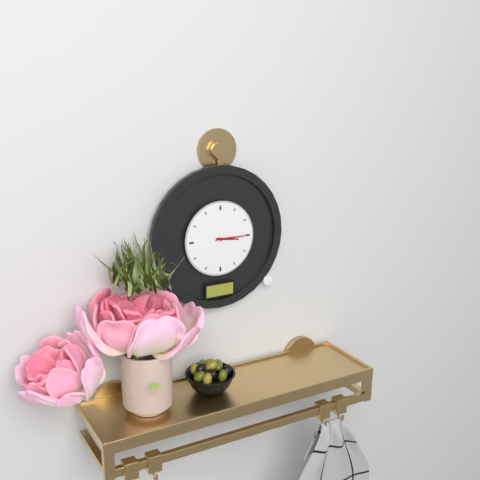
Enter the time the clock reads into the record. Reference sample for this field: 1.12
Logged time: 3.15
